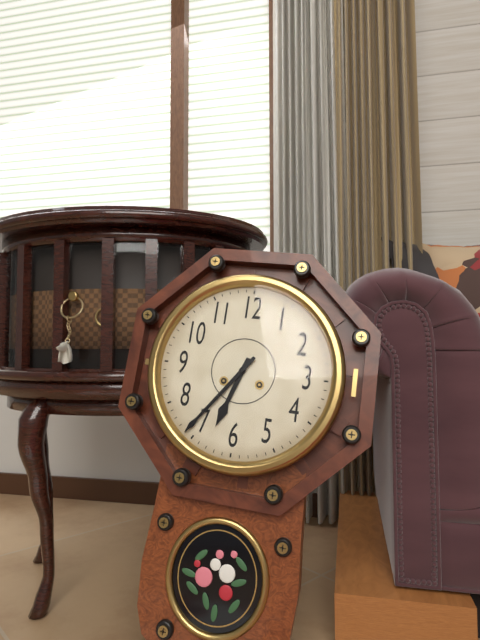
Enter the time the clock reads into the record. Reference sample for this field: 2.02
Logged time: 6.36
